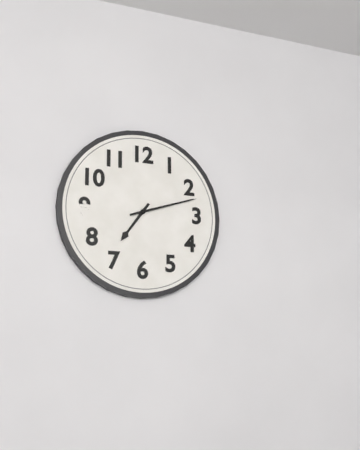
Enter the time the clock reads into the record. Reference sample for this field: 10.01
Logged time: 7.12
